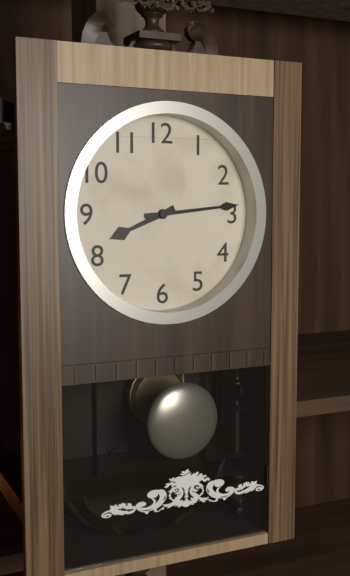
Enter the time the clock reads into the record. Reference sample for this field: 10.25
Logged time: 8.14
